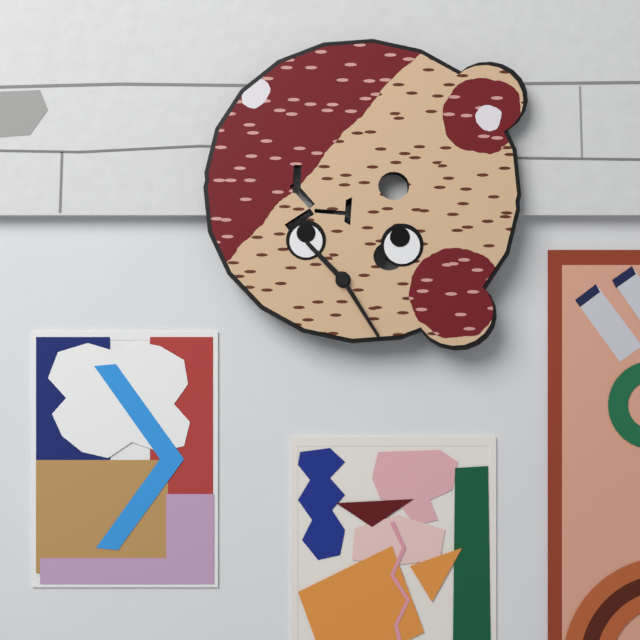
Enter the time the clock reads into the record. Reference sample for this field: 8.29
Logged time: 10.24
